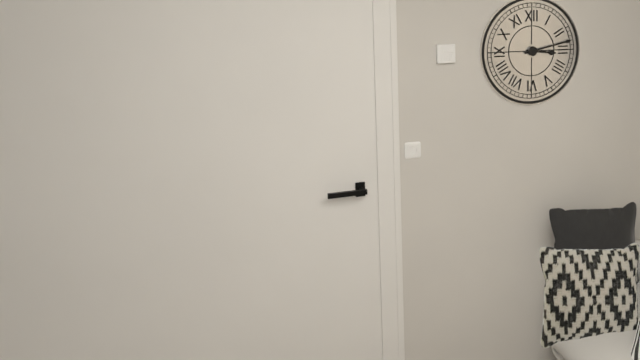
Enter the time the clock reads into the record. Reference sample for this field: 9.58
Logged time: 3.13
